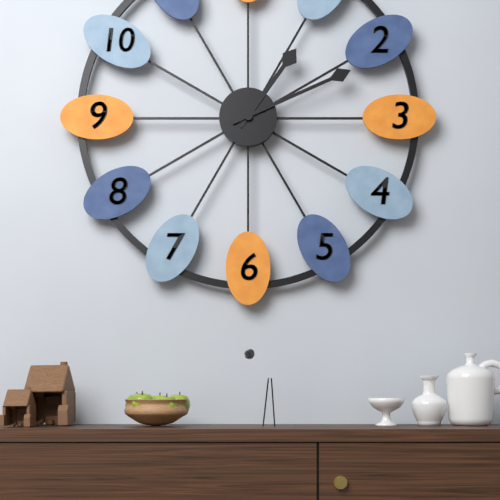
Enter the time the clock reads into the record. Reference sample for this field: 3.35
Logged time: 1.11
